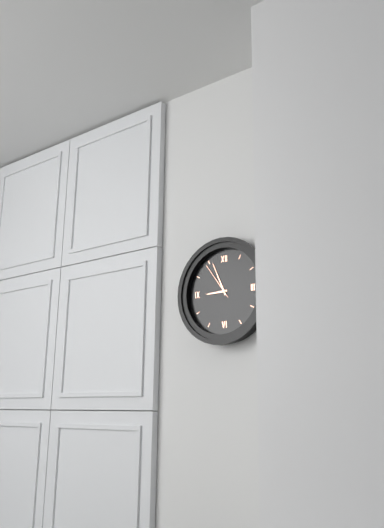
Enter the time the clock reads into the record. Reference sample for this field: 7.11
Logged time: 8.56
